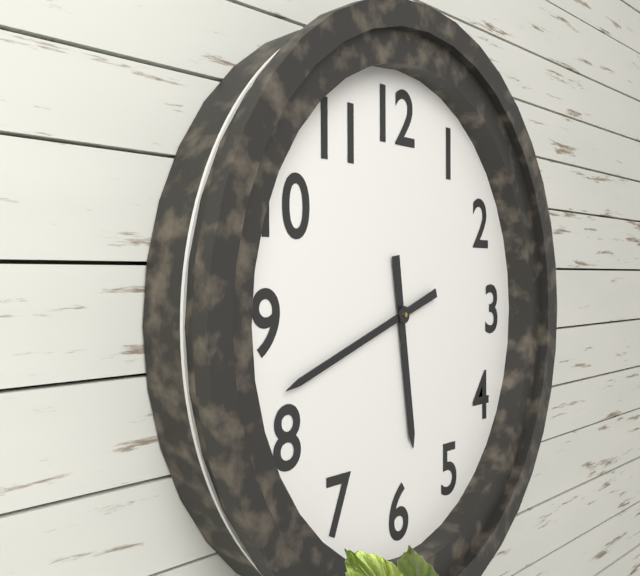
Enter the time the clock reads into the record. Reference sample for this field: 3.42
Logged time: 5.42
